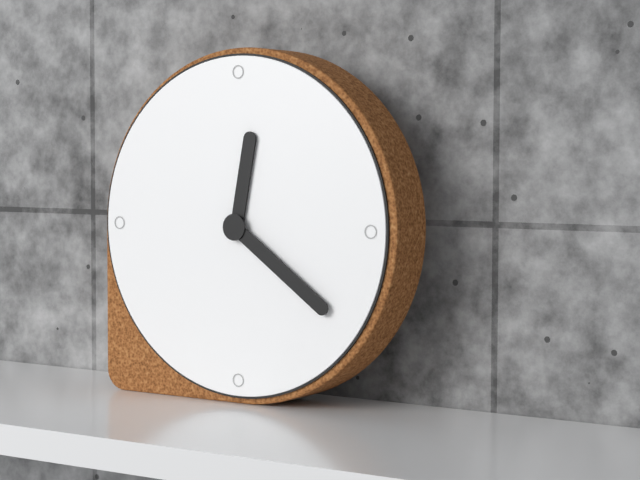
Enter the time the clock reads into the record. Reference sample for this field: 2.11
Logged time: 12.21
